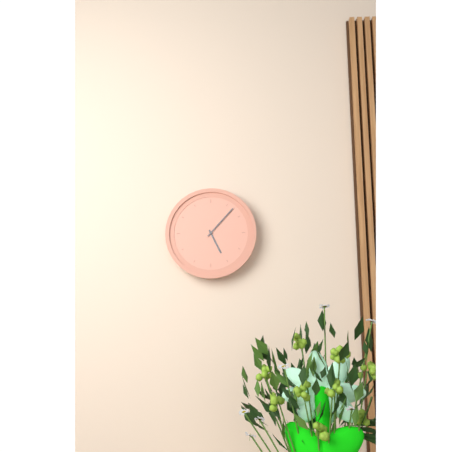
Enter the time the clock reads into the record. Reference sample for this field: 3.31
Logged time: 5.07
